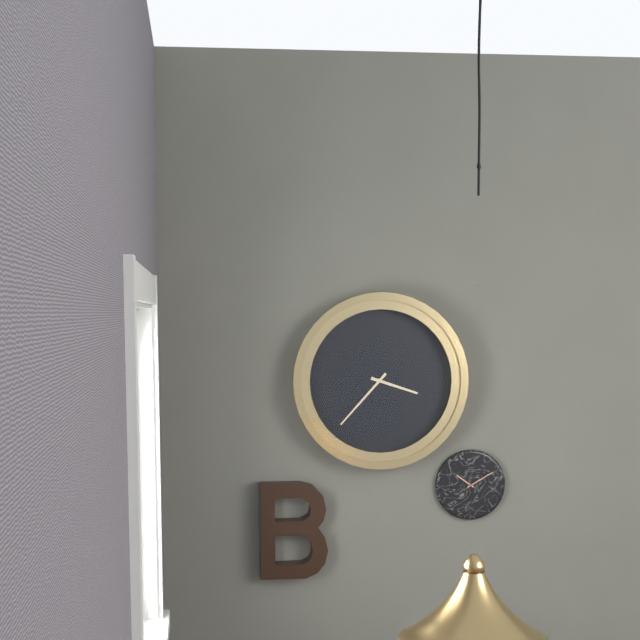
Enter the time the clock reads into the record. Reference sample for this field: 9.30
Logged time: 3.37
